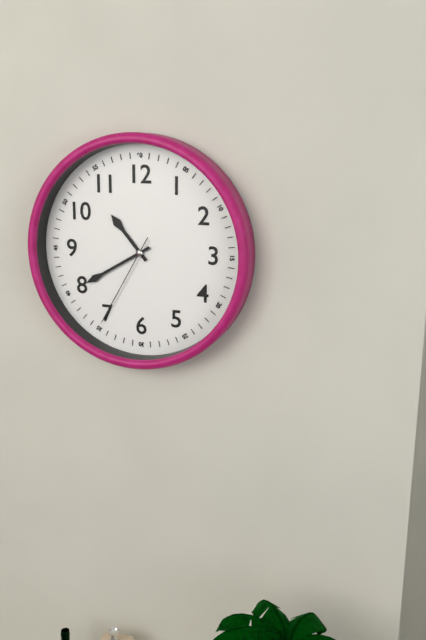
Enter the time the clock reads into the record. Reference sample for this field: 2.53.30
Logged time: 10.40.35
